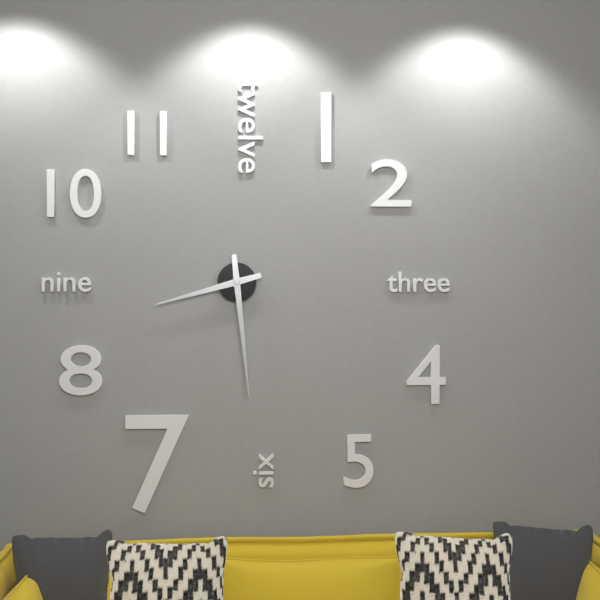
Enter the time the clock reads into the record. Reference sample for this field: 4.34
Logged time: 8.29
